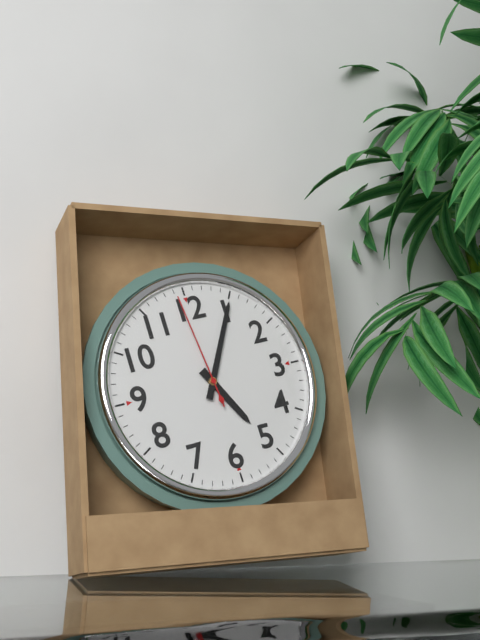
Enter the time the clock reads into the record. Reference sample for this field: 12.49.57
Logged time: 5.05.59
